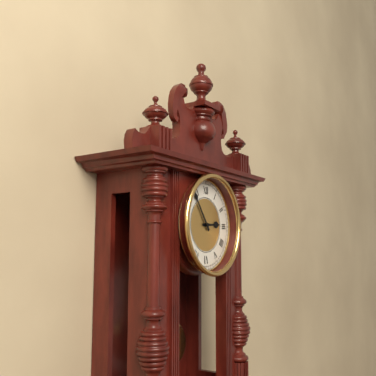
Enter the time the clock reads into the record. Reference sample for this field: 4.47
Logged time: 2.54
